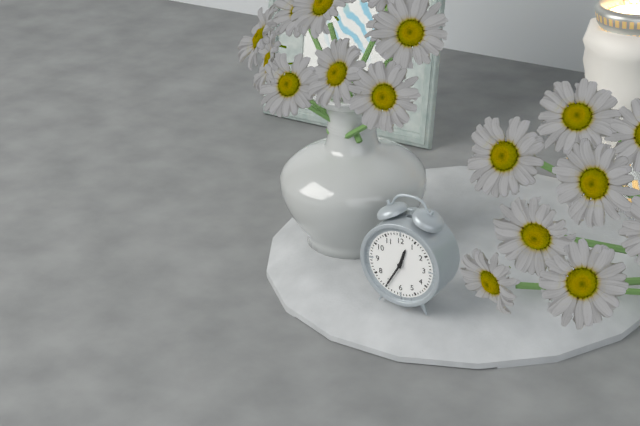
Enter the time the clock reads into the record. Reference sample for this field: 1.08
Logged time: 12.35
